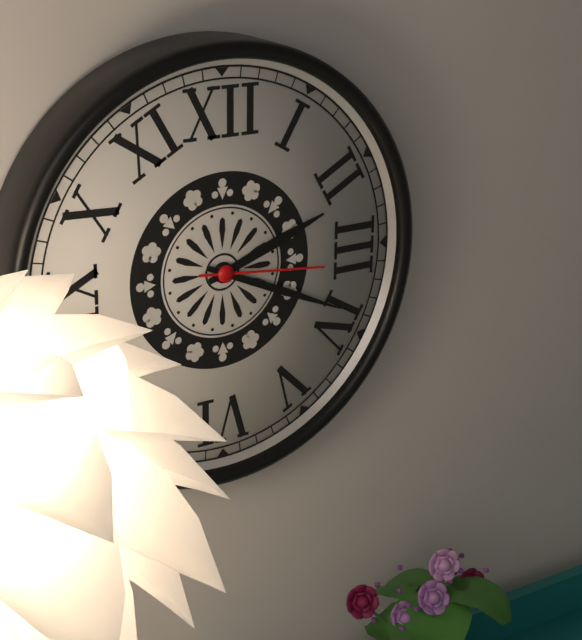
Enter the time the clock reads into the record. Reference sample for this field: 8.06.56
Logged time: 2.19.16
